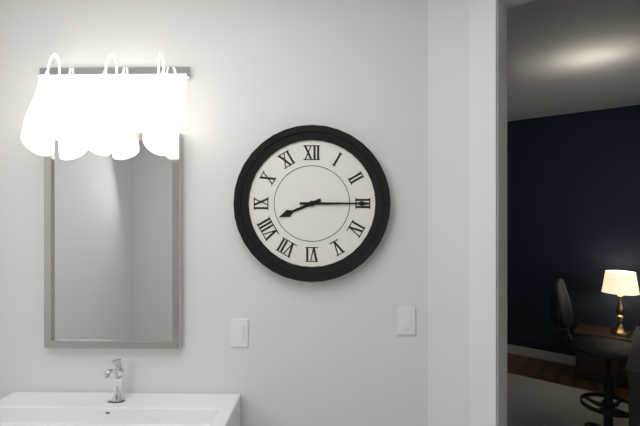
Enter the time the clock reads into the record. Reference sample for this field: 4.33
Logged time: 8.15
